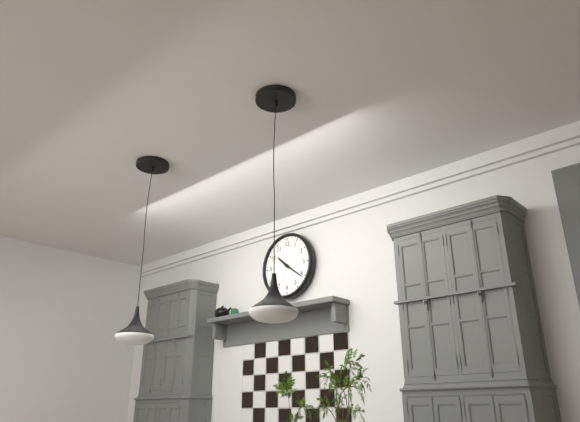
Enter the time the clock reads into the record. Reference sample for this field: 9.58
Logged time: 10.21
